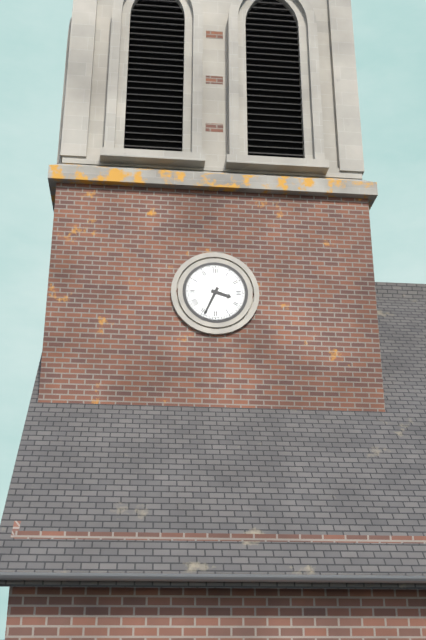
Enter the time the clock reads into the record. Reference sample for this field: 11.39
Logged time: 3.34
